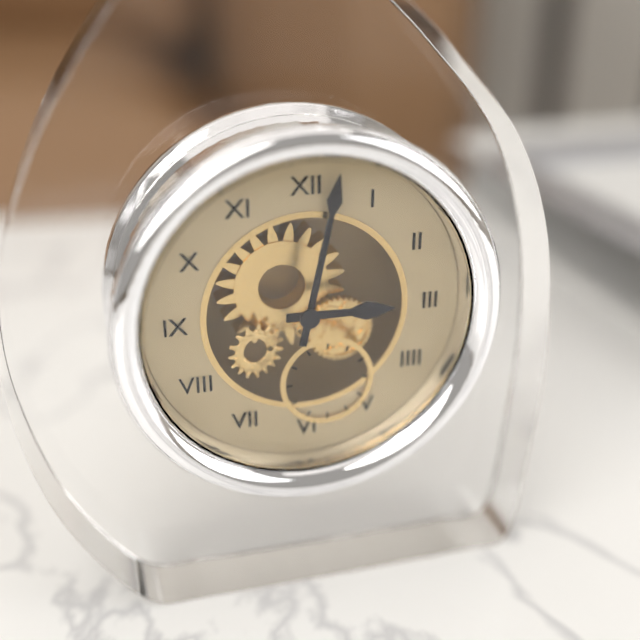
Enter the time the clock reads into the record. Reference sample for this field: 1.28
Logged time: 3.02
